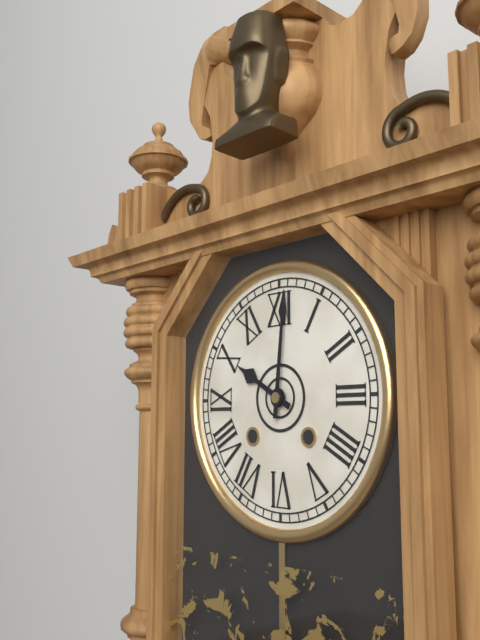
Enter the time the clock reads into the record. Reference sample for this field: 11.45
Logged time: 10.01
